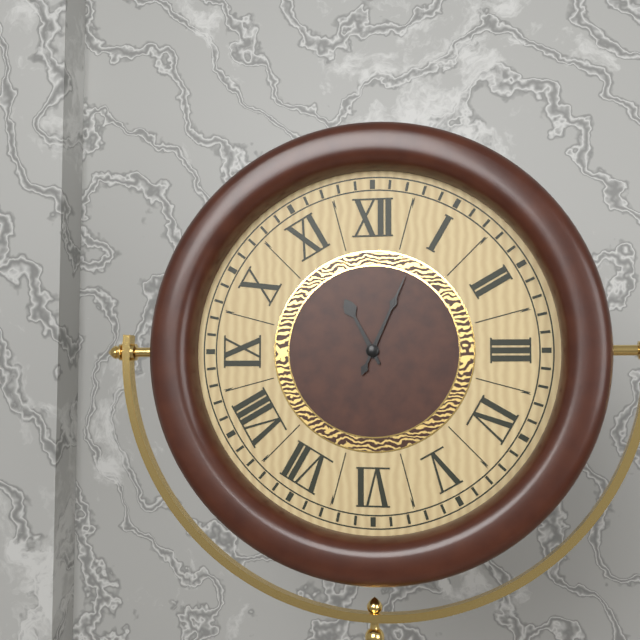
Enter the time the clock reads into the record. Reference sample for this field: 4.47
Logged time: 11.04
